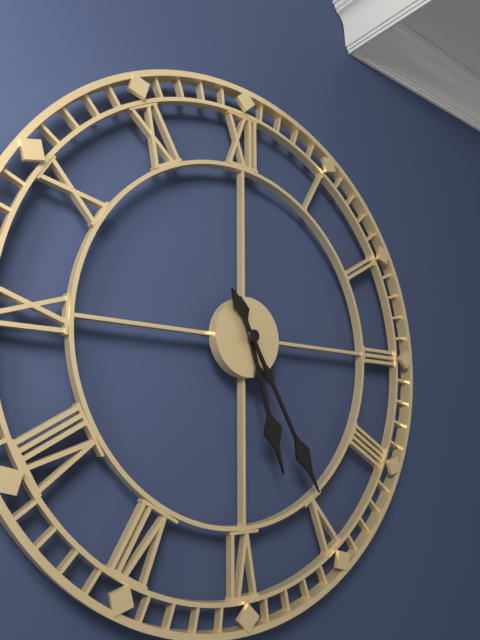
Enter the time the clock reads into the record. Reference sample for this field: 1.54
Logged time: 5.25
